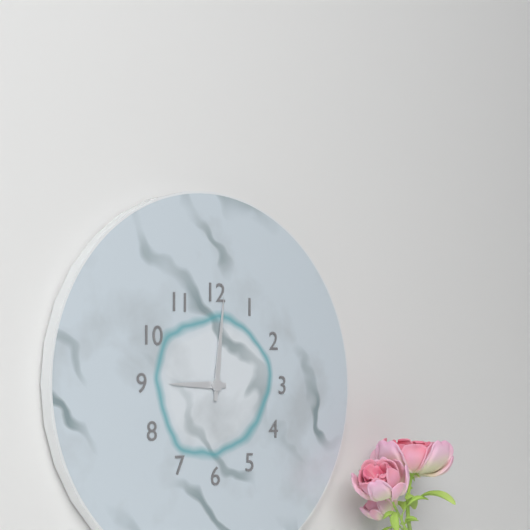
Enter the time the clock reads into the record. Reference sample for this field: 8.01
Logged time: 9.01
